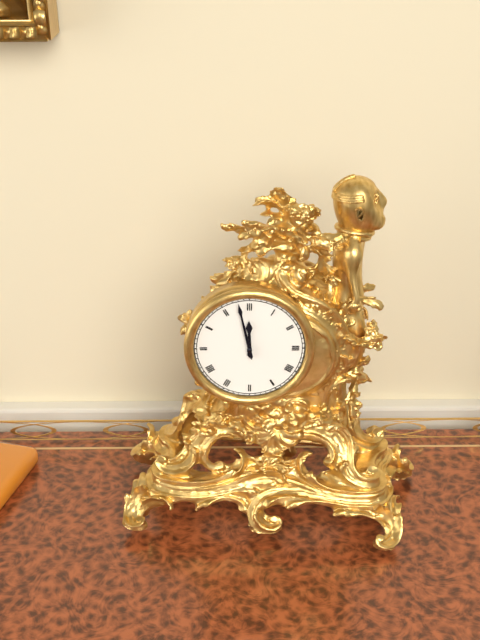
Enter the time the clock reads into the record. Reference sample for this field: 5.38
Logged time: 11.58
